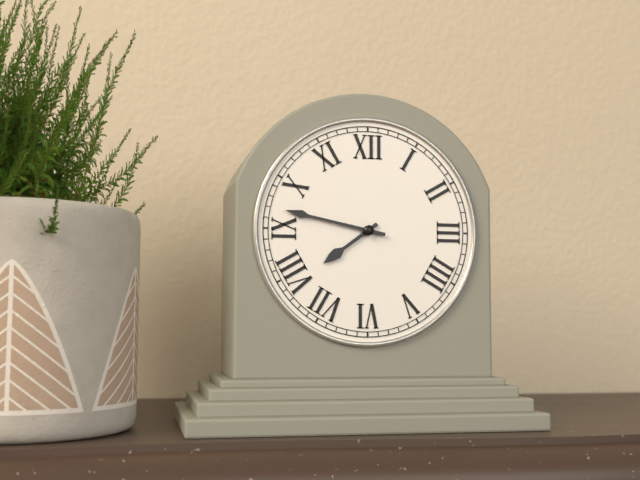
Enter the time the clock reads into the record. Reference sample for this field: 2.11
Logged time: 7.47
